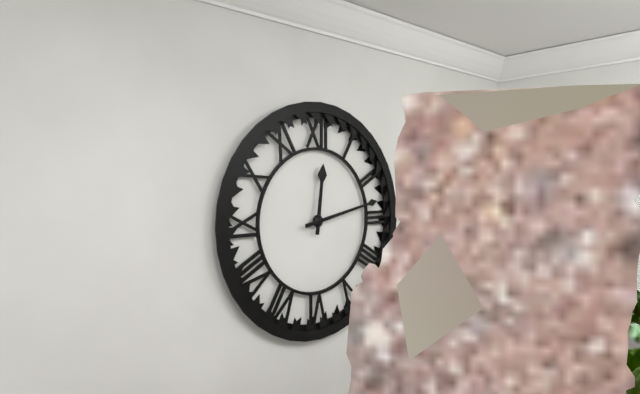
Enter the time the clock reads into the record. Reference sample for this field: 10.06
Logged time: 12.13
